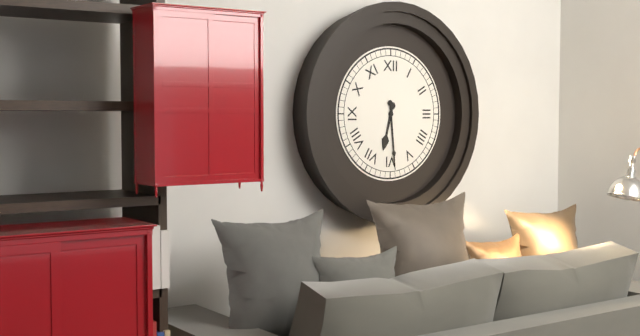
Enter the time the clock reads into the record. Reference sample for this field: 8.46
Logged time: 6.29
